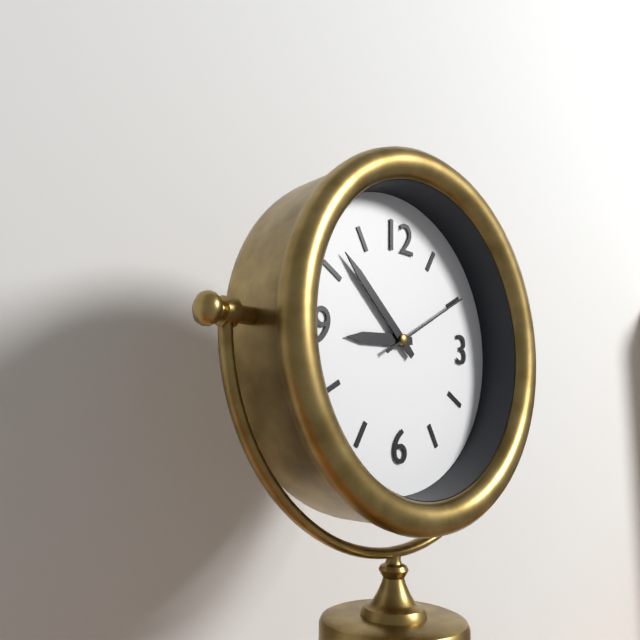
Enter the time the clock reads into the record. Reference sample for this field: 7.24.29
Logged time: 8.52.10
